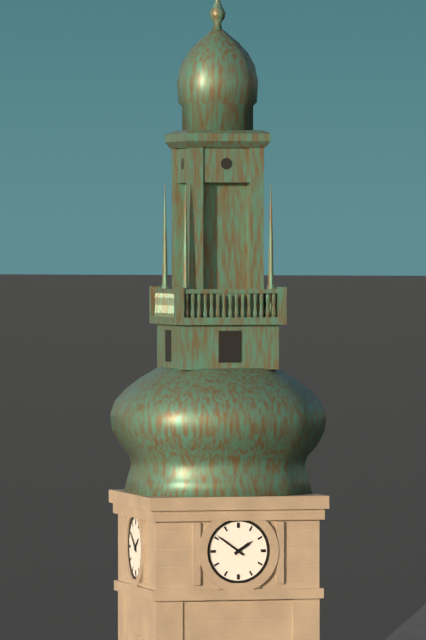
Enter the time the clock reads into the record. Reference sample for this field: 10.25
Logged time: 1.51
